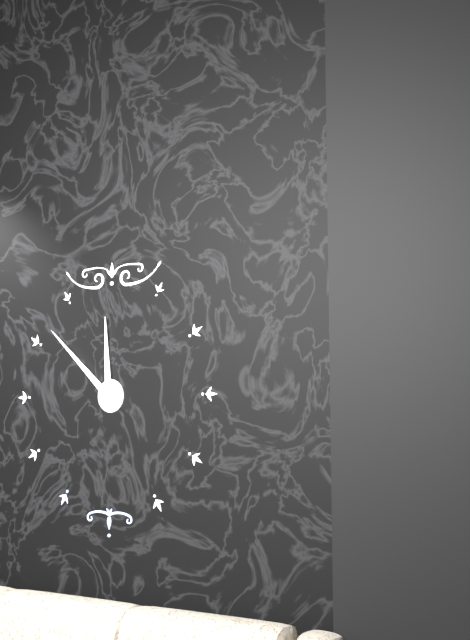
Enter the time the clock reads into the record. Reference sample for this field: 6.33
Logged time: 11.52
